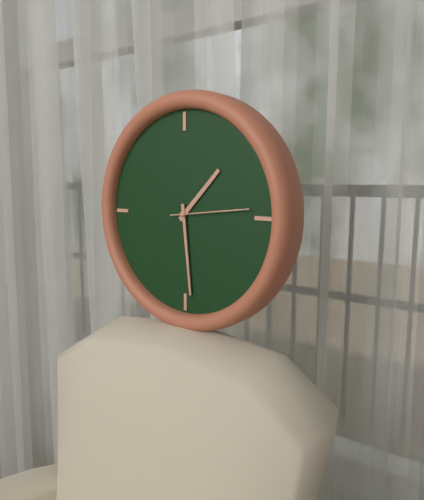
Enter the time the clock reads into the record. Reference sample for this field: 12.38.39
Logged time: 1.29.14
